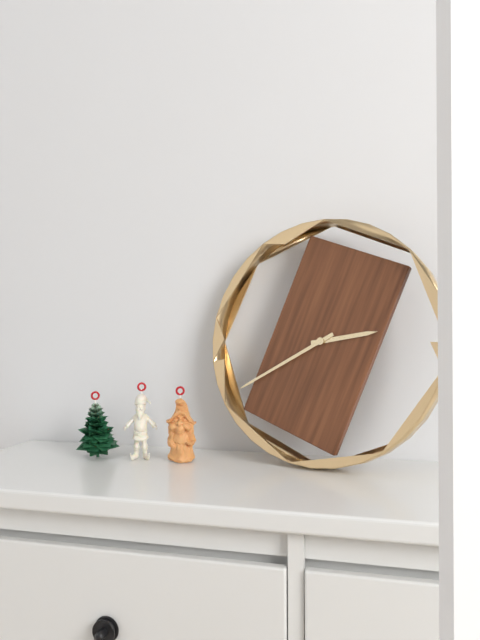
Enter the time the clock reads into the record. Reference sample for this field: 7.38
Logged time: 2.40
